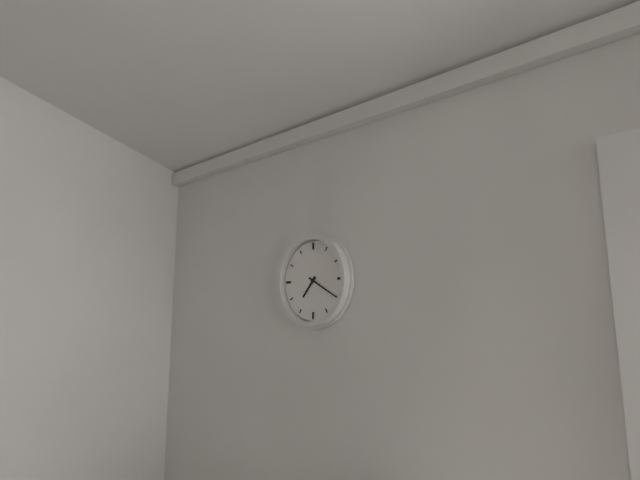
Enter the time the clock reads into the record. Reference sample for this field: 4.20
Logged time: 7.20
